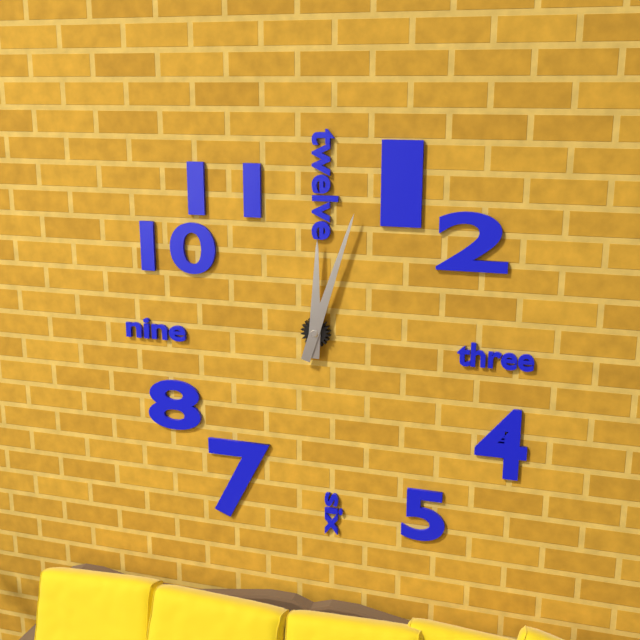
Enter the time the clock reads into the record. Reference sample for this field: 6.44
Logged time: 12.03
